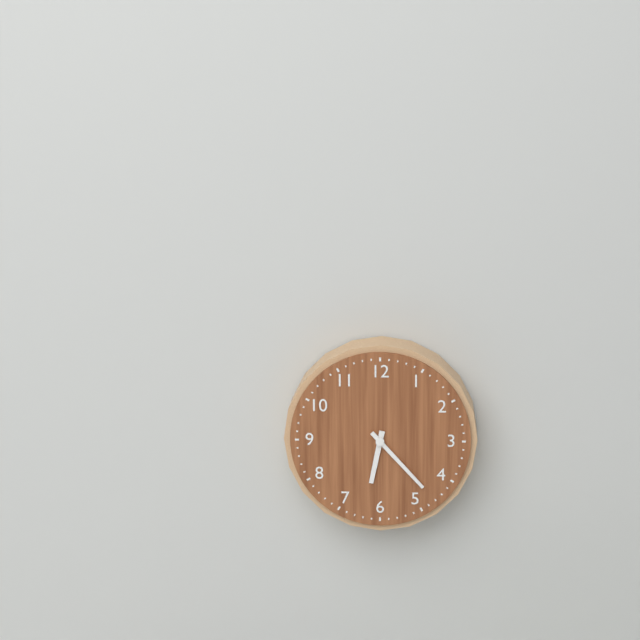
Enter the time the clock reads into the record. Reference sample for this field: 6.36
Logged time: 6.23
